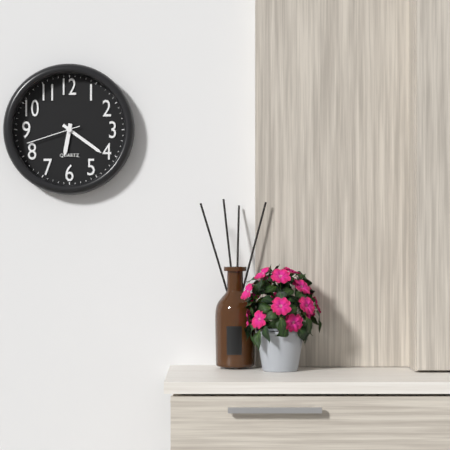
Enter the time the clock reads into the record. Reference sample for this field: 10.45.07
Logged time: 6.21.42
